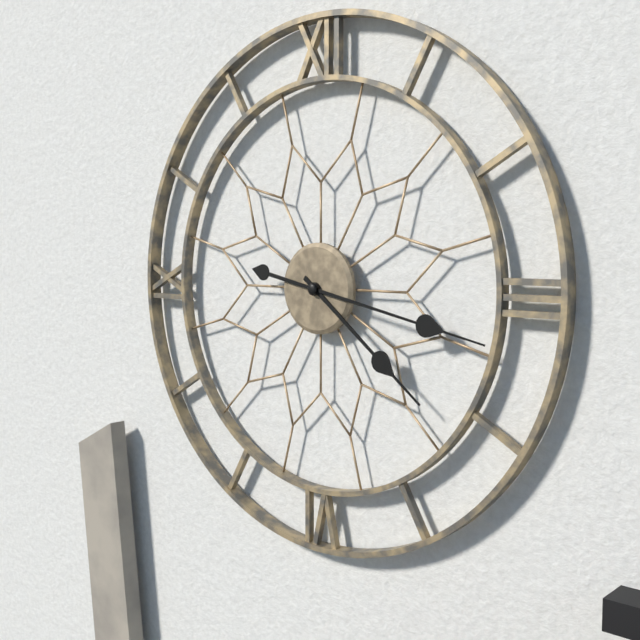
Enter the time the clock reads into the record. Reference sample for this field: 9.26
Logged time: 4.17
